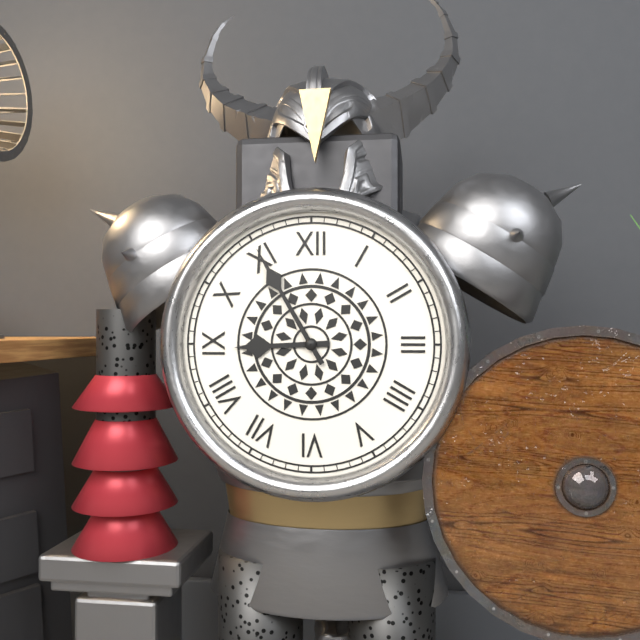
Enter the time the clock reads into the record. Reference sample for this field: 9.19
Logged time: 8.55
